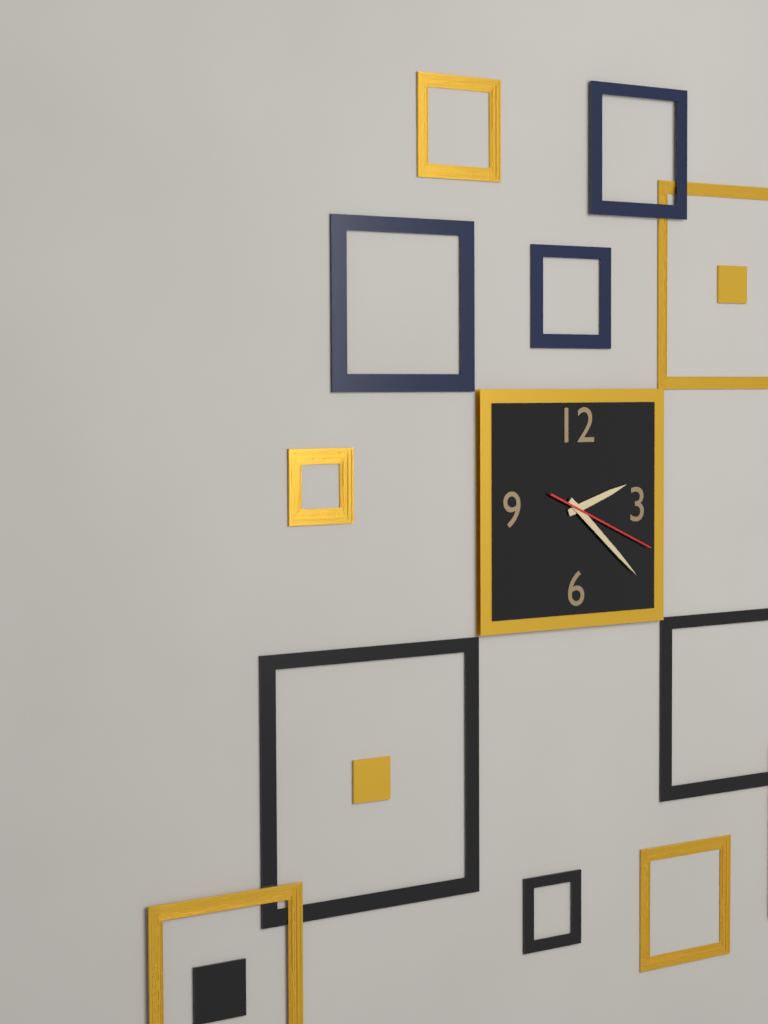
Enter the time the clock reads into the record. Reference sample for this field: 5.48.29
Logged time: 2.22.19
